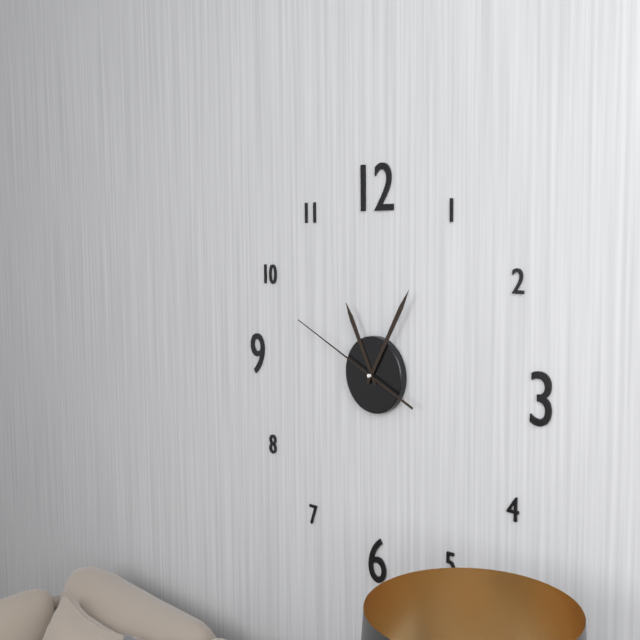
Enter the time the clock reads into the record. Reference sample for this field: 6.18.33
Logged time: 11.05.49
